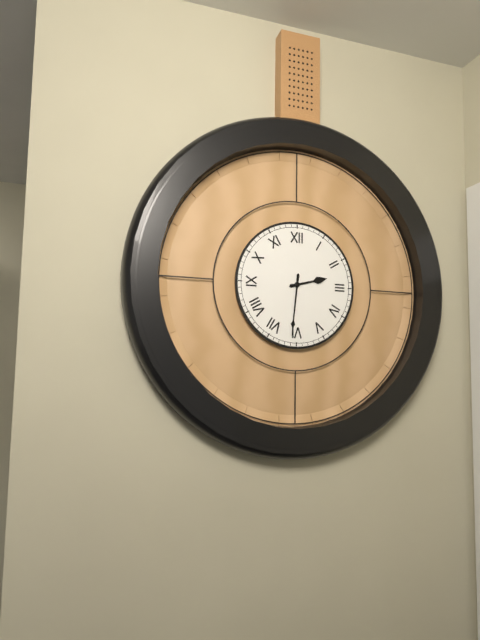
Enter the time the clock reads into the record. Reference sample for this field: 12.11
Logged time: 2.31
